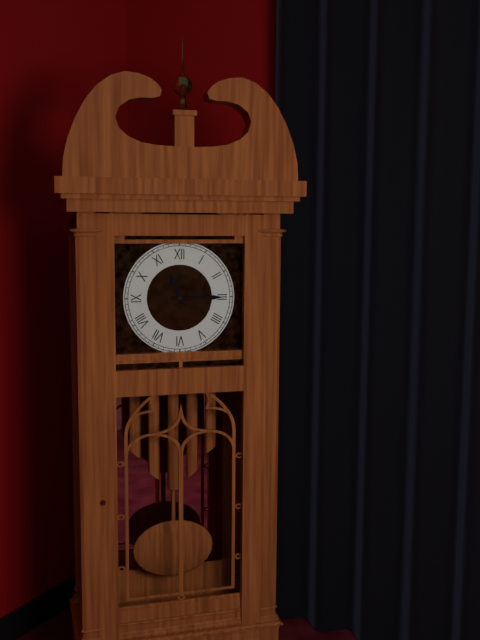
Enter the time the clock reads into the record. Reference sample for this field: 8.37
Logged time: 11.15
